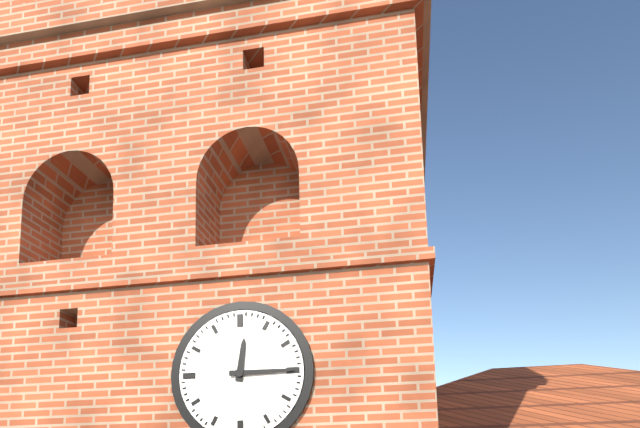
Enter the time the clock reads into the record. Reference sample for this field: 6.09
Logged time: 12.15
